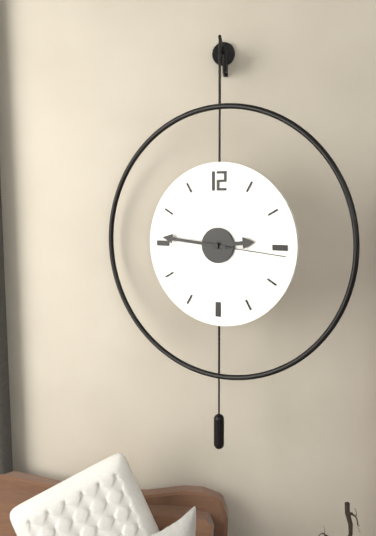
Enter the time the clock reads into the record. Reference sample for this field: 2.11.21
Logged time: 2.46.16
